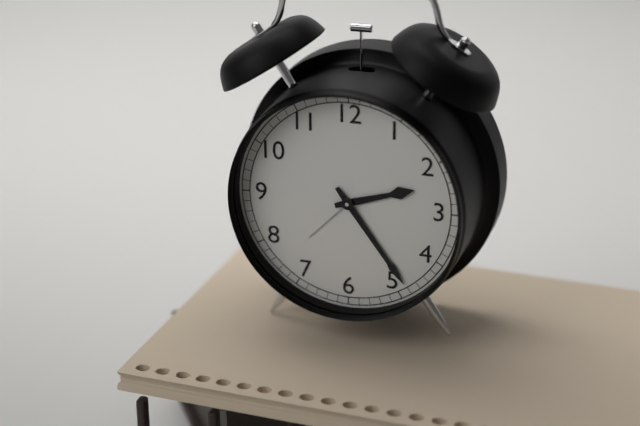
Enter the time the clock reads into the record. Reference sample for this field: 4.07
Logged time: 2.24
